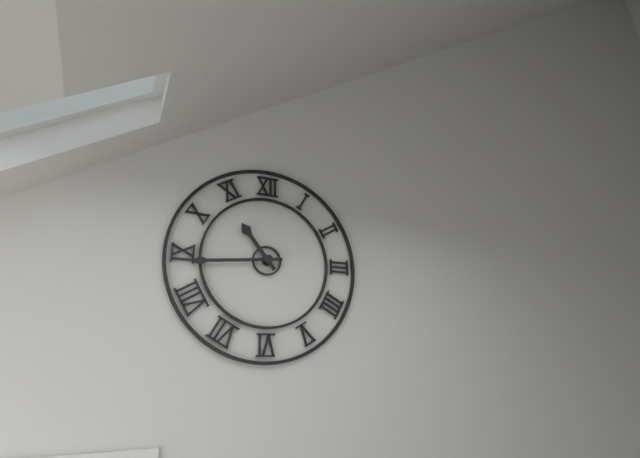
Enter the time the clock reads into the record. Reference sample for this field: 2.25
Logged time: 10.44
